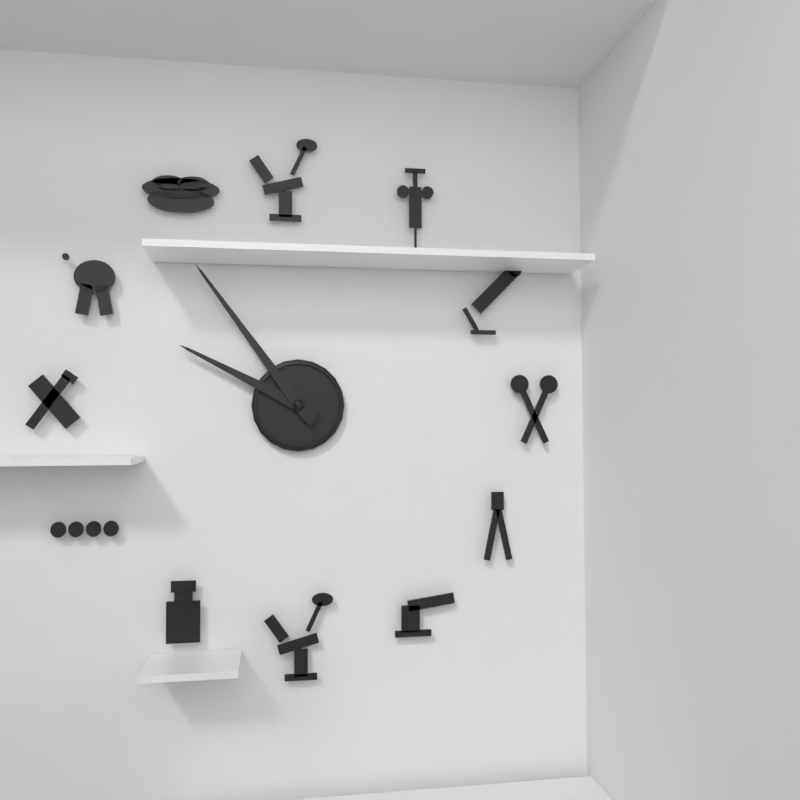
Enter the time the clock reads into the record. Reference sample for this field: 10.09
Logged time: 9.54
